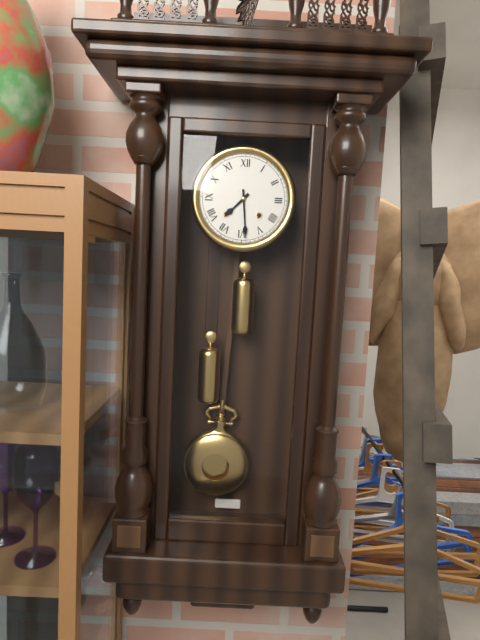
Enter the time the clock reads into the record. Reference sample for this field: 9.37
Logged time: 7.29
